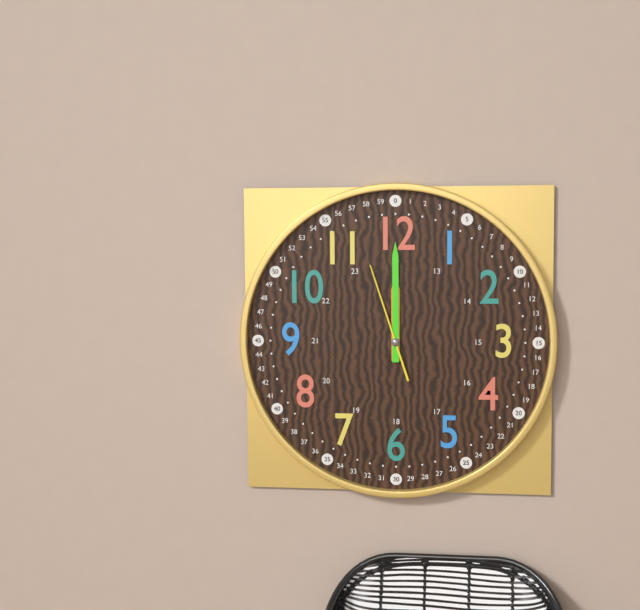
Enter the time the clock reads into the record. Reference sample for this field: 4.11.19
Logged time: 12.00.57
